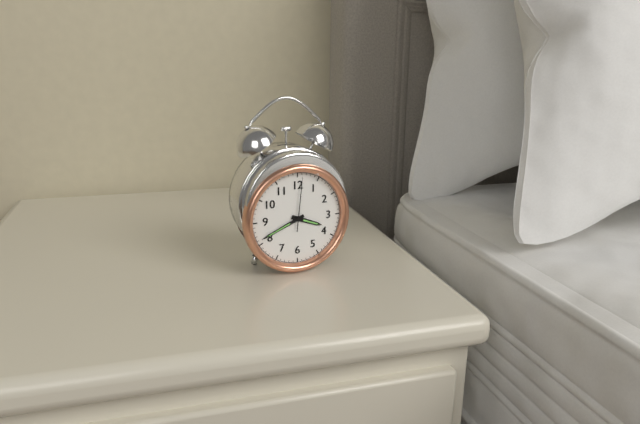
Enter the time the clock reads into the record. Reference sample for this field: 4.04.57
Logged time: 3.41.01
